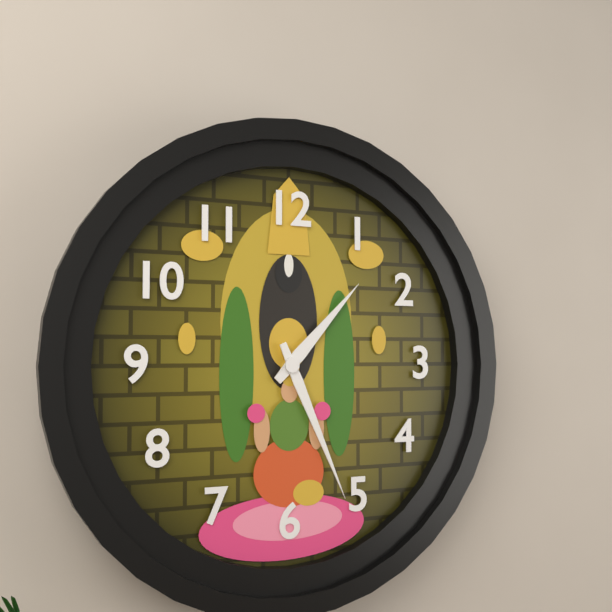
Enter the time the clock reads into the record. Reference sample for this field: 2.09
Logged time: 1.26
